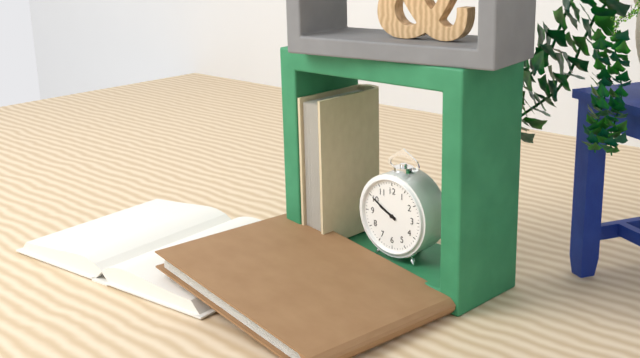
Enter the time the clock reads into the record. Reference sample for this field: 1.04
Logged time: 9.50
